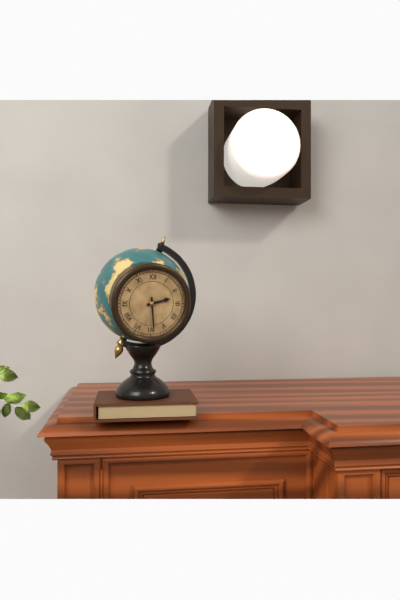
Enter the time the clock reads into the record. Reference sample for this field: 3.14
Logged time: 2.29
